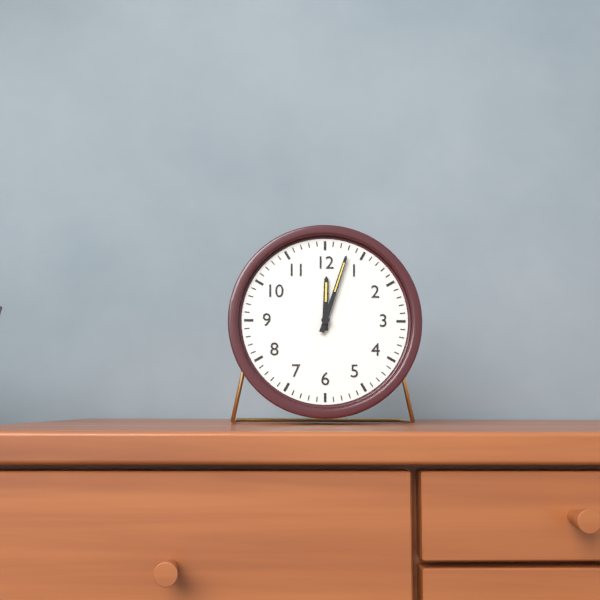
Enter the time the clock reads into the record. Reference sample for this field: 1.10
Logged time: 12.03
